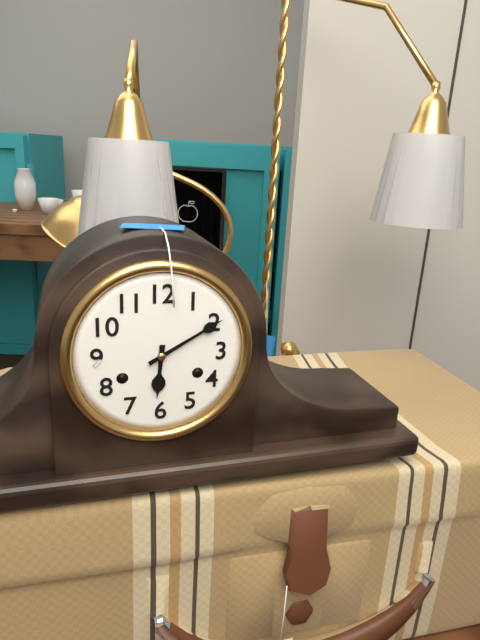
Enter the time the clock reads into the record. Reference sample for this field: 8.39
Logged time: 6.10
